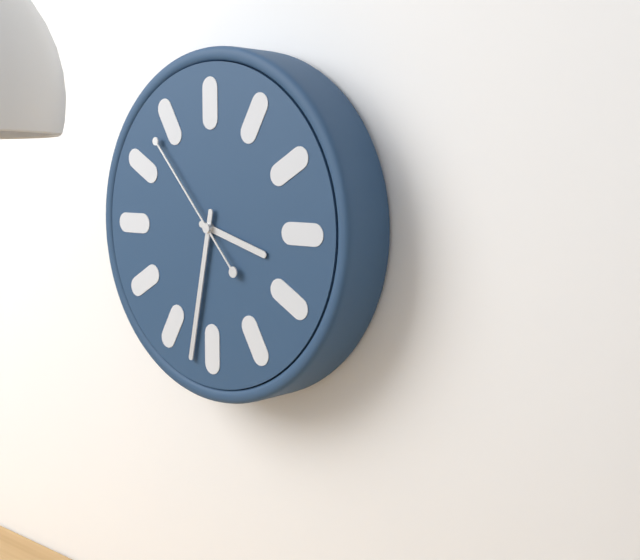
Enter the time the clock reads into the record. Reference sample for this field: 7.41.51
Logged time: 3.32.53
